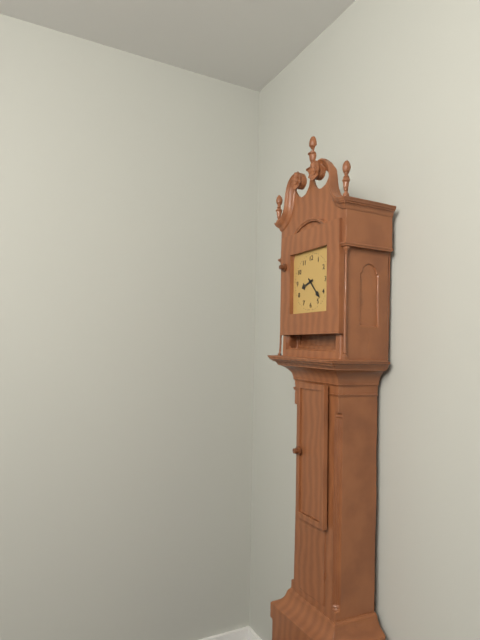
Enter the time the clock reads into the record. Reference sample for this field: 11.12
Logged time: 8.23
